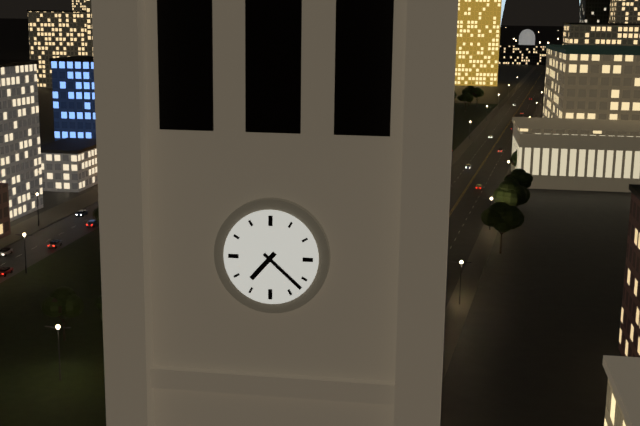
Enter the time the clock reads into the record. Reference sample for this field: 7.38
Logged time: 7.22
